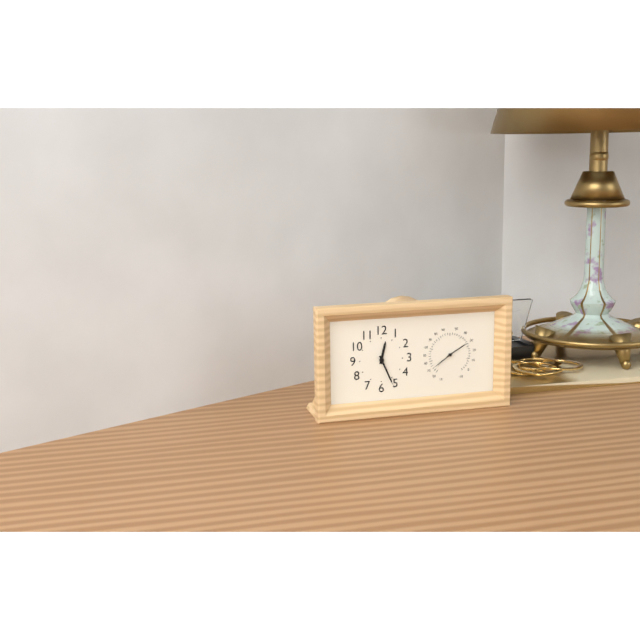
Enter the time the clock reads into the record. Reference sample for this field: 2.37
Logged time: 12.26
